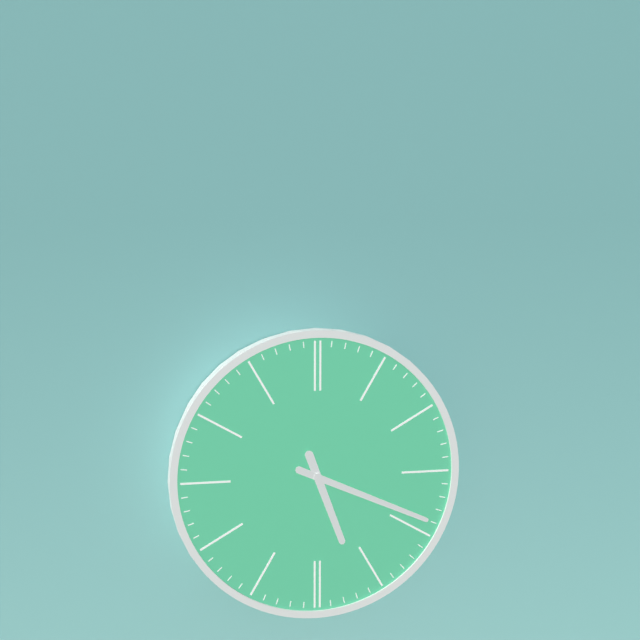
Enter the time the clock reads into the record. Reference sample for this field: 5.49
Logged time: 5.19
